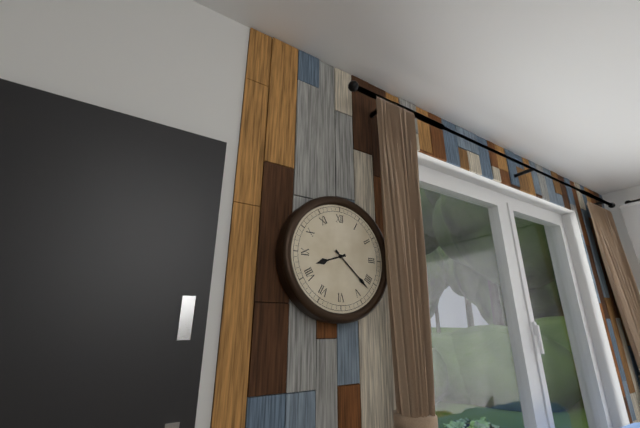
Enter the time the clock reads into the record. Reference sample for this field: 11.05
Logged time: 8.22
